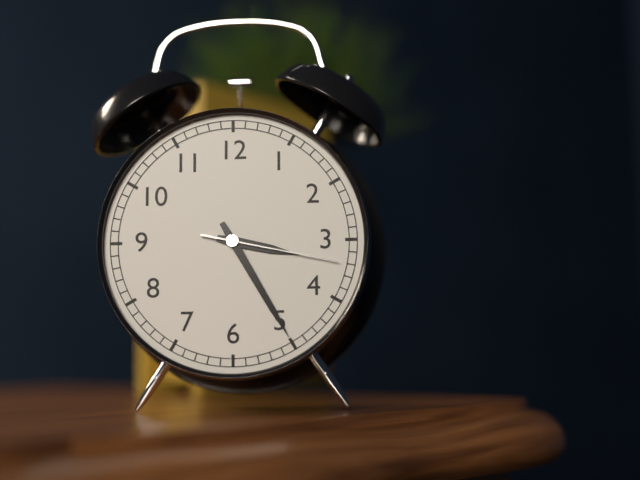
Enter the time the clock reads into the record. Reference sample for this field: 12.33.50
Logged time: 3.25.17
